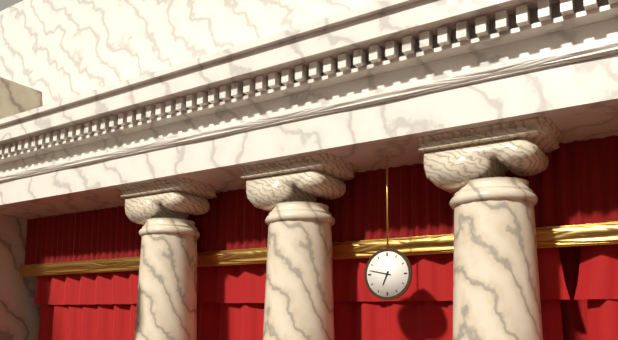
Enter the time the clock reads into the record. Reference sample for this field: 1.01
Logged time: 6.47
